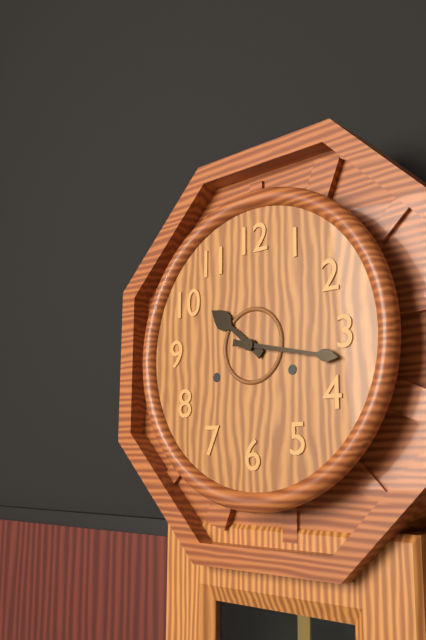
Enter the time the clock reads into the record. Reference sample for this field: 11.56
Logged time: 10.17
